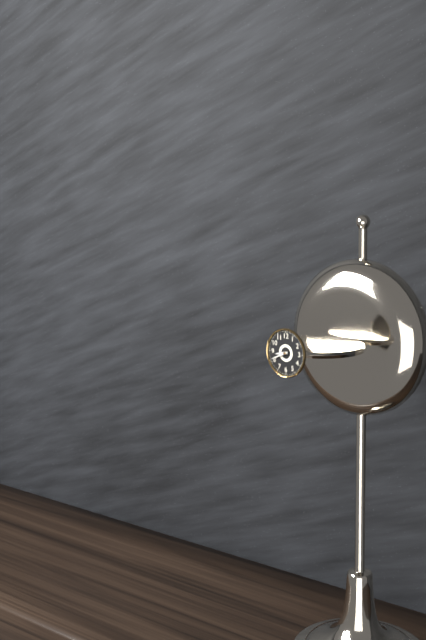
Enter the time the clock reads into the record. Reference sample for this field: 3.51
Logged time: 8.41
